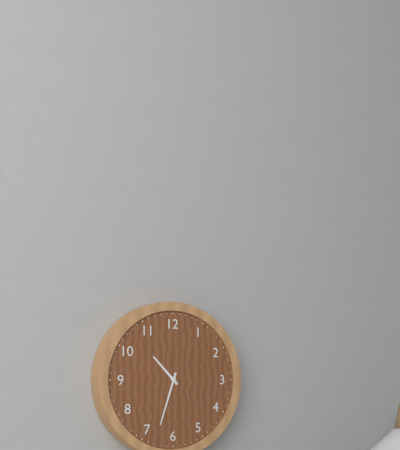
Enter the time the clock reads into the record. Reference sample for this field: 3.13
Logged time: 10.33
